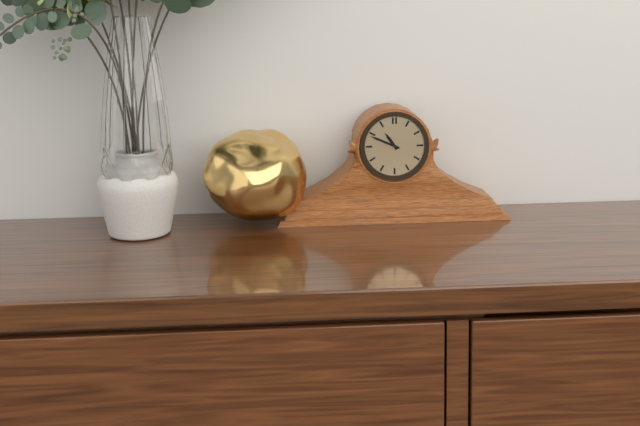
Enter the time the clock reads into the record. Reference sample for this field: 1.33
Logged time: 10.49
